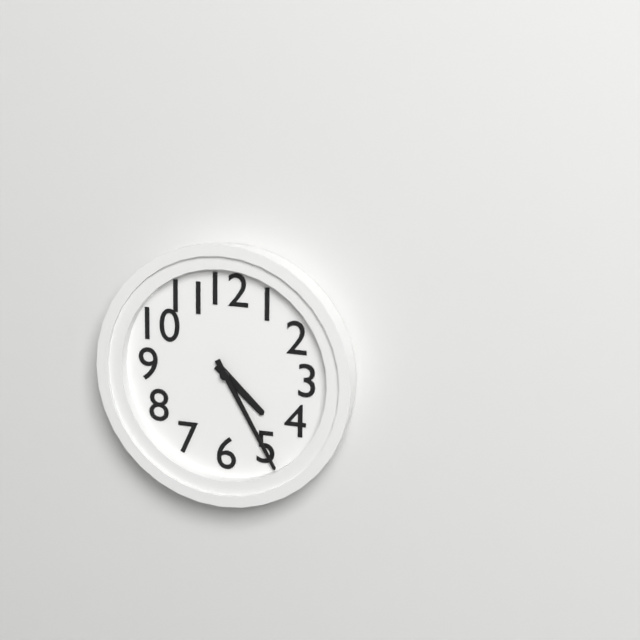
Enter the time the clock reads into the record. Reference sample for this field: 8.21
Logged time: 4.25
